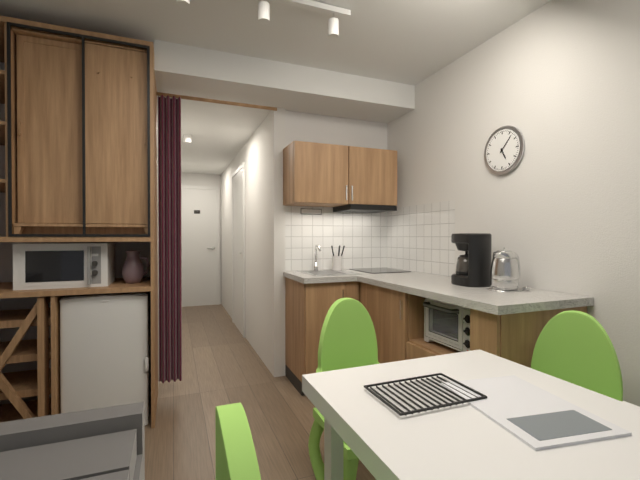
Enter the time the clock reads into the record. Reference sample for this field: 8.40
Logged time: 5.07
